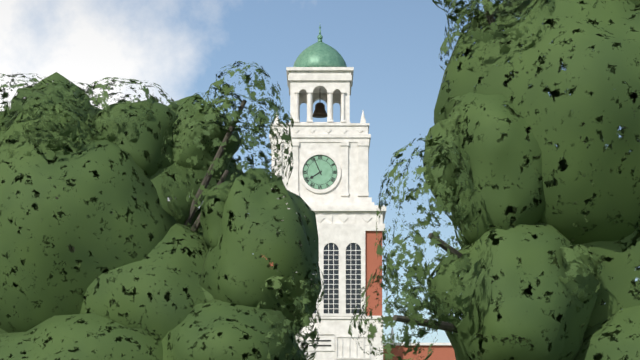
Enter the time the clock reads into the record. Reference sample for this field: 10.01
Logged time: 7.56
